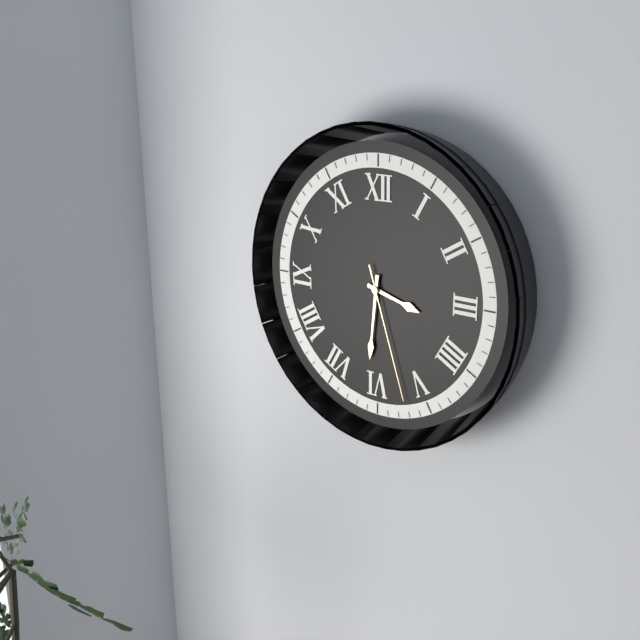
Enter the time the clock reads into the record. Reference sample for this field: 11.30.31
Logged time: 3.31.27
